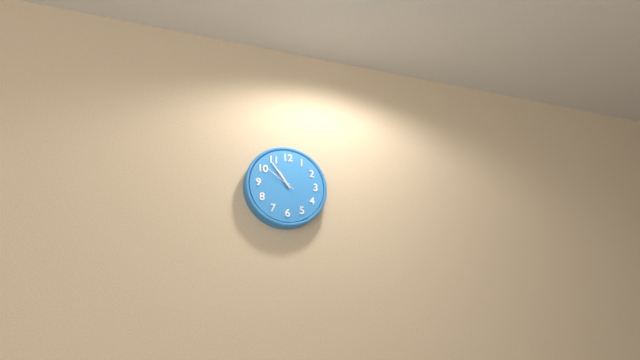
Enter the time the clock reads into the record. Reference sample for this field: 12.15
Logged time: 10.54
